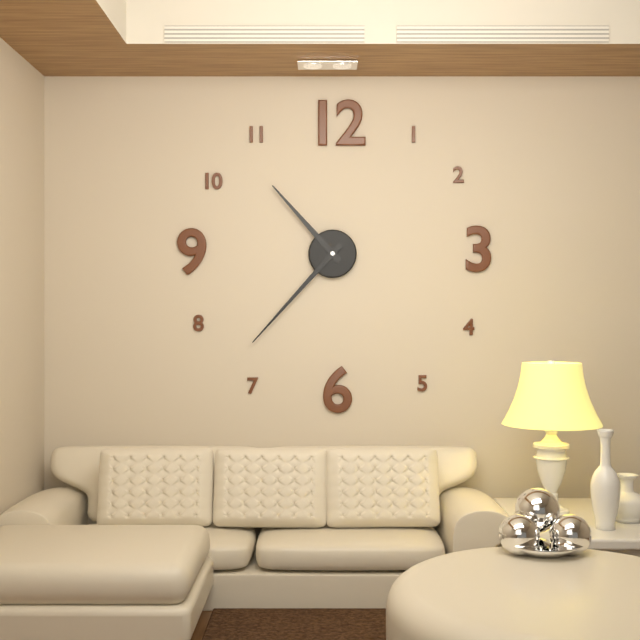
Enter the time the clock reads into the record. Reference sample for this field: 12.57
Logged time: 10.37
